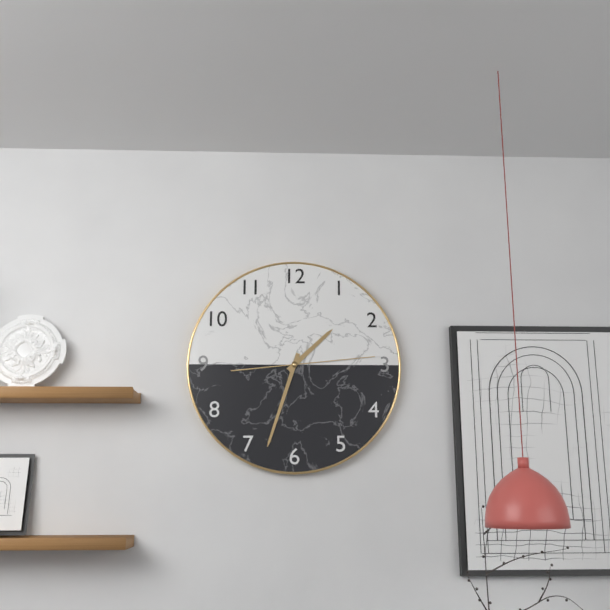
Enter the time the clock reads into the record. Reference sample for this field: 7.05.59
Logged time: 1.33.14
